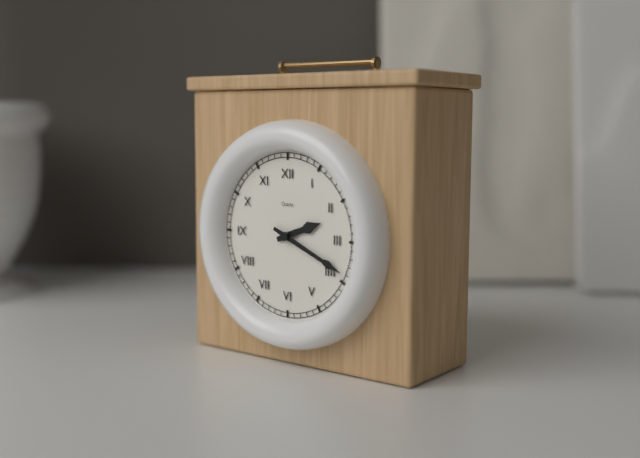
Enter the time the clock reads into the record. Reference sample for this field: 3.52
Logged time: 2.19
